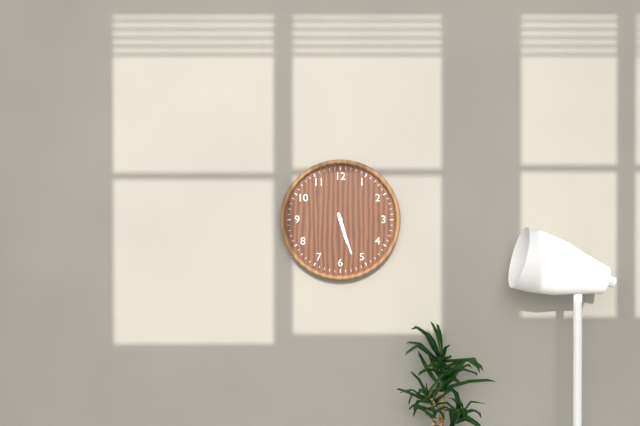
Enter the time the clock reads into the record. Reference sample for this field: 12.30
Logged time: 5.27
